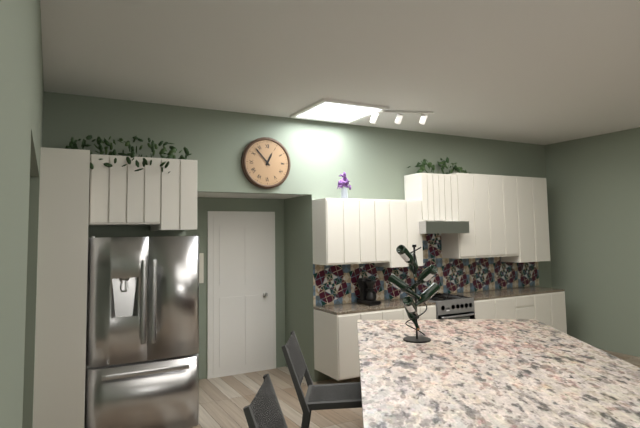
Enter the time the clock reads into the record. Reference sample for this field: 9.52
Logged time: 12.53
